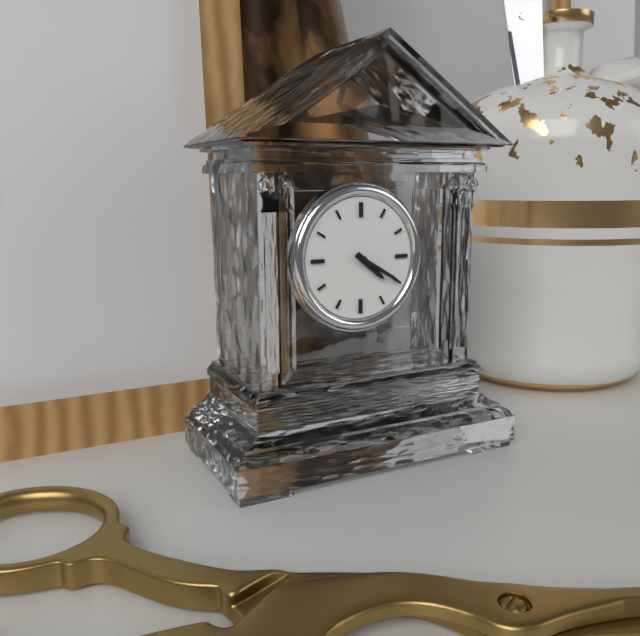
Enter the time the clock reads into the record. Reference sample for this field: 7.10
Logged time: 4.20
